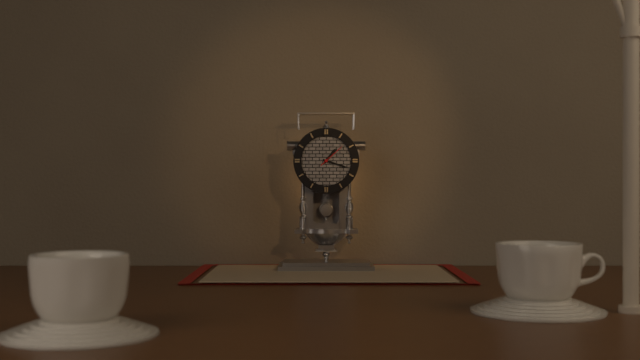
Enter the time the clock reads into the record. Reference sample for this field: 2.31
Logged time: 1.18
